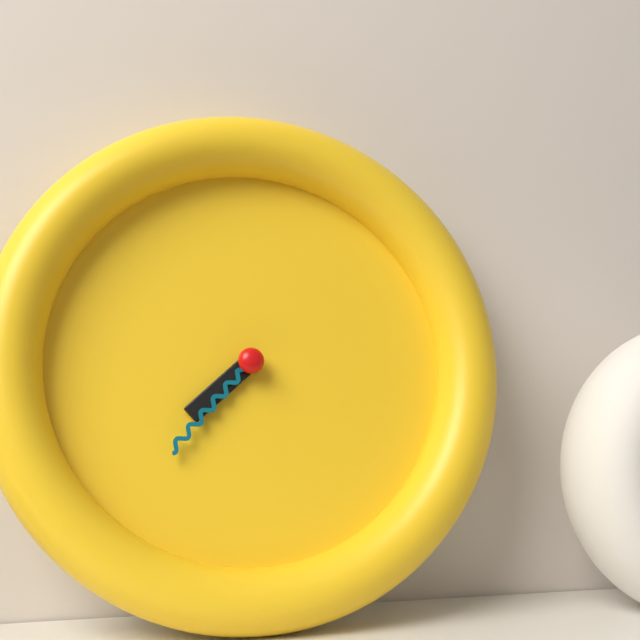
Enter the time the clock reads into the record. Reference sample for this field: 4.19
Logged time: 7.37
